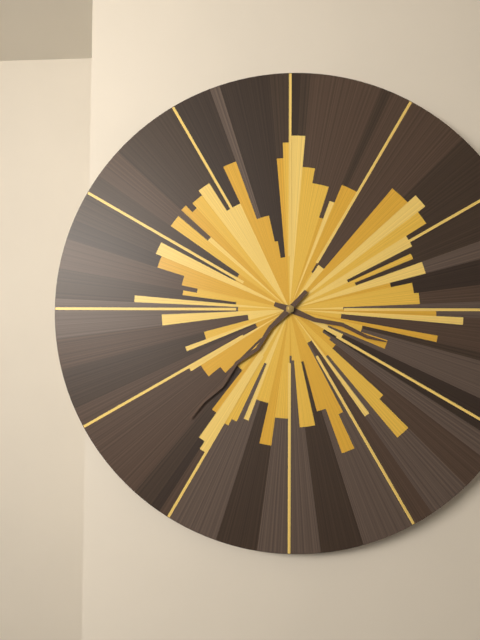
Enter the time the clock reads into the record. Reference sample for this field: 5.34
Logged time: 3.37
